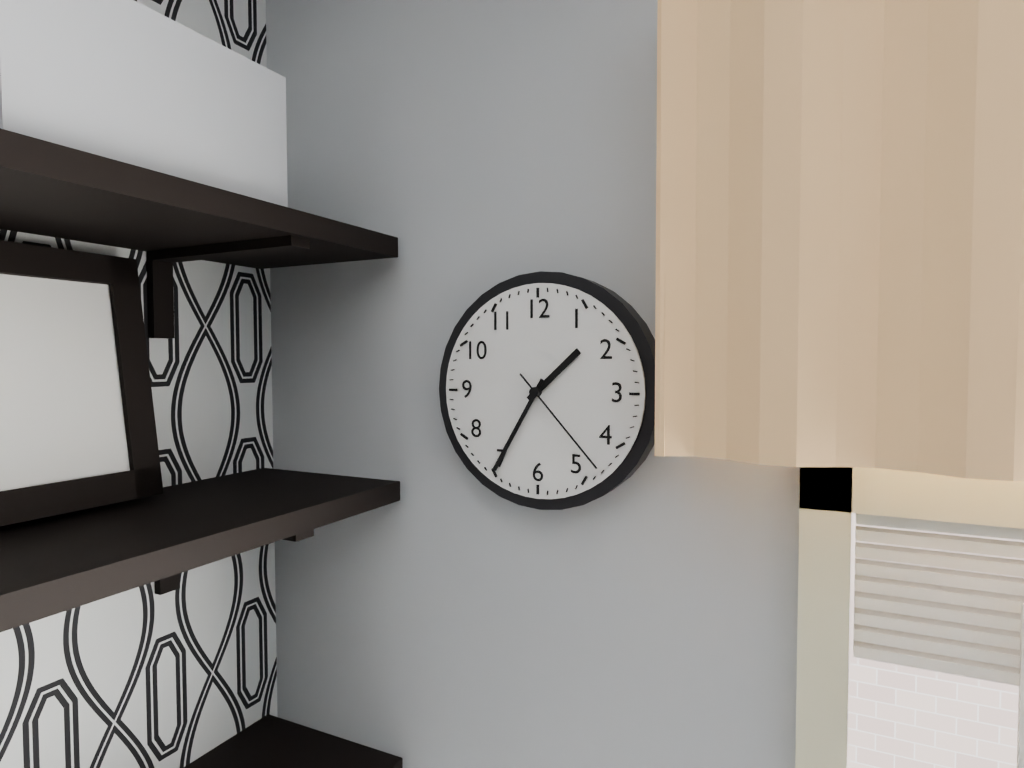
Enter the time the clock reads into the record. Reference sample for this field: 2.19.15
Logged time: 1.35.23
